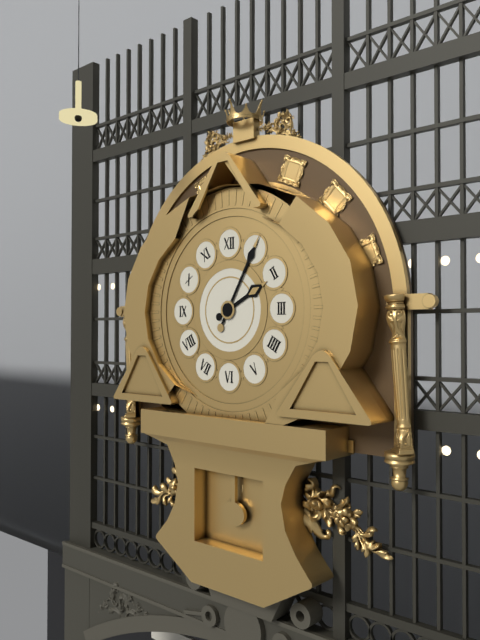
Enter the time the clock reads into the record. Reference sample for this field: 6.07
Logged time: 2.05
